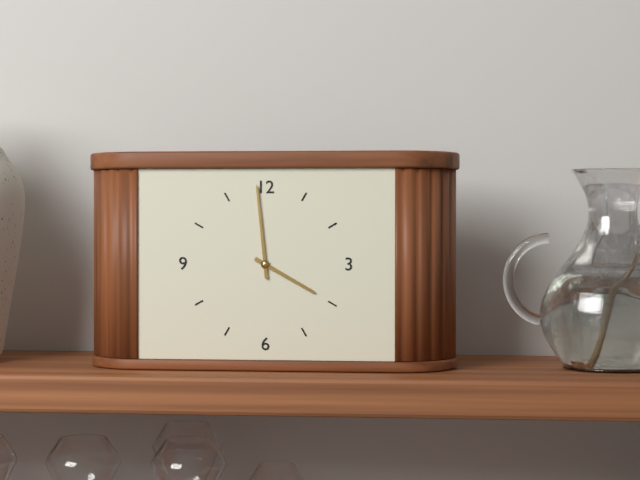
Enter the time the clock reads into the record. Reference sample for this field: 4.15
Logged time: 3.59
